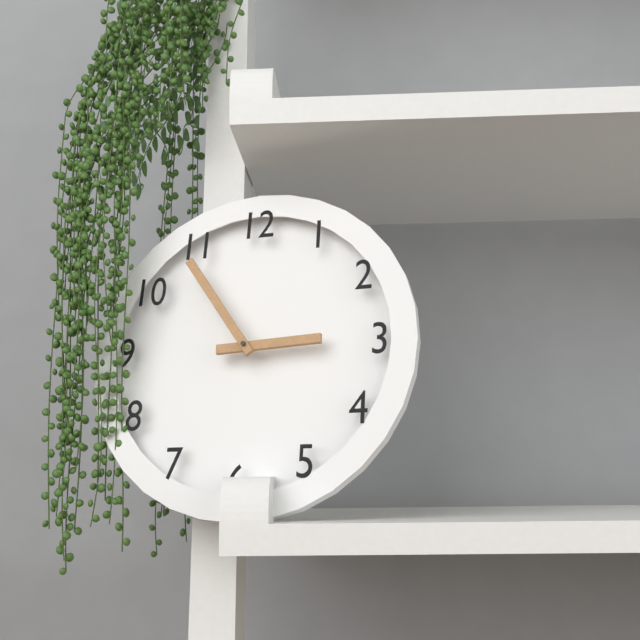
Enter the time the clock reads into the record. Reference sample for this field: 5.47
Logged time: 2.54
